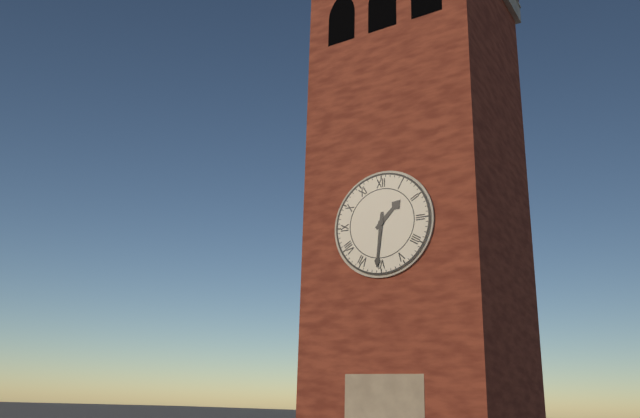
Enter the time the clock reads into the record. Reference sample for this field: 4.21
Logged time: 1.31
